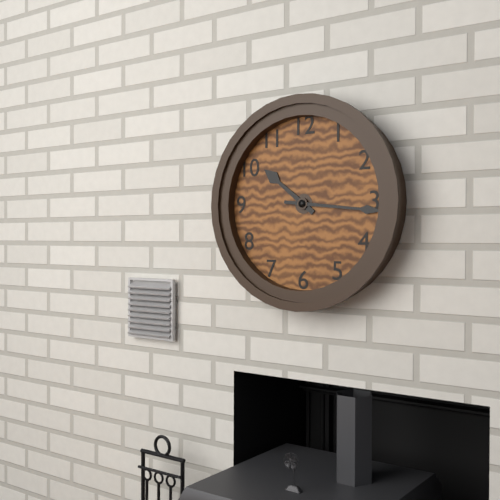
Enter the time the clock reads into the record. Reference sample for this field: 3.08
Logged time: 10.16
